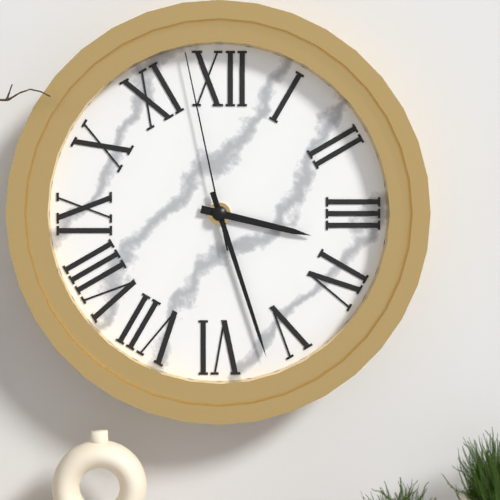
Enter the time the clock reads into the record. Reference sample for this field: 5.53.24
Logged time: 3.27.58
